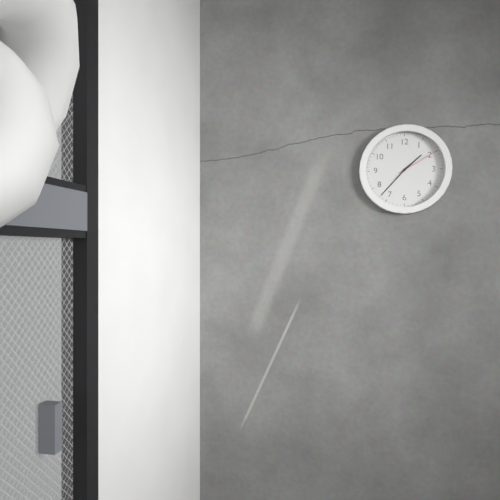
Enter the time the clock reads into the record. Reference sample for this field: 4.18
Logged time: 1.37
